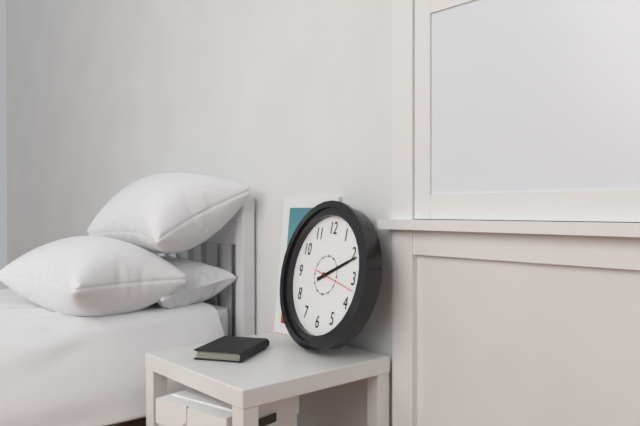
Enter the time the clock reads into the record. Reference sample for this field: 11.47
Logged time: 2.11
